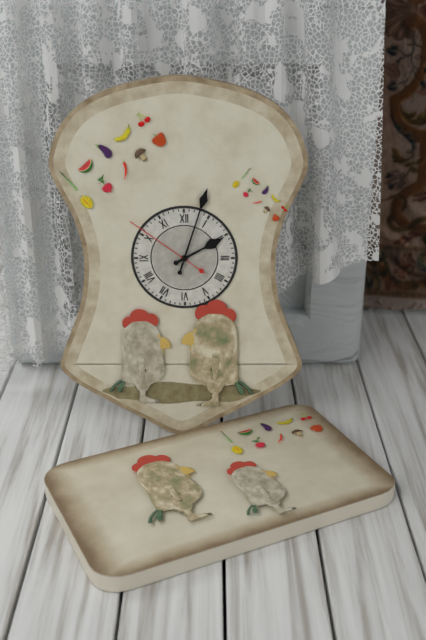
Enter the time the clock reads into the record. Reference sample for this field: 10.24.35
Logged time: 2.03.51
